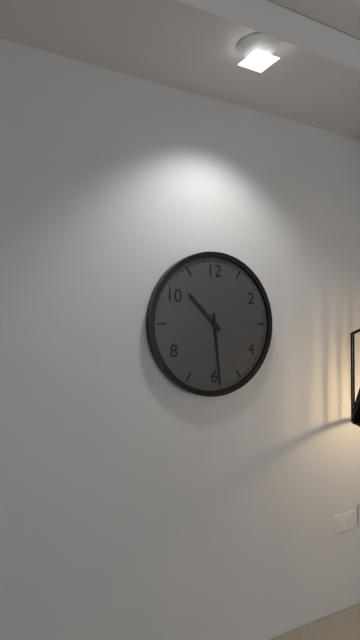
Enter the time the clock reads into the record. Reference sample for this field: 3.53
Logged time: 10.29
